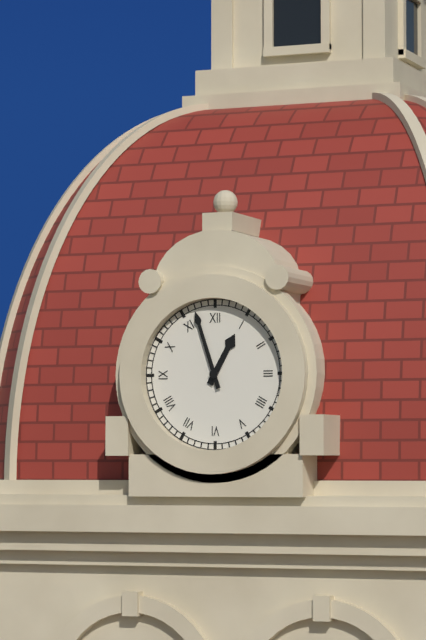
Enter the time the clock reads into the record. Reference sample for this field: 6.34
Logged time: 12.57
